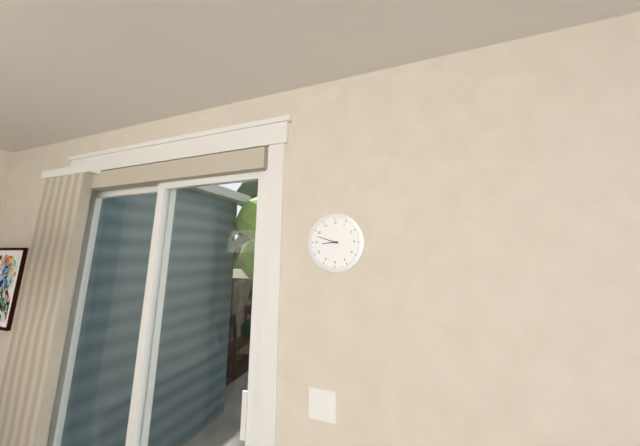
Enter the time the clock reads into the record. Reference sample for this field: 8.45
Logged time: 8.48
